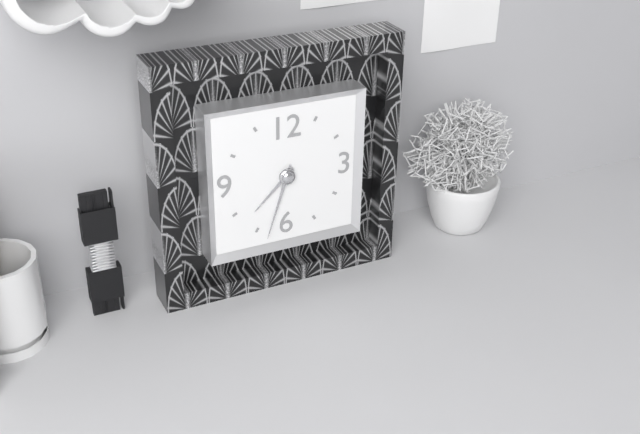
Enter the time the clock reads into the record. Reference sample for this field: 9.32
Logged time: 7.33
